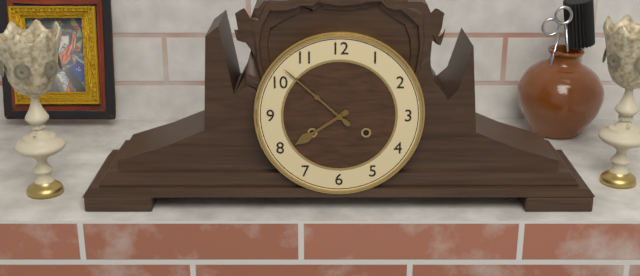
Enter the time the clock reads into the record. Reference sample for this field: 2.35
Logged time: 7.52
